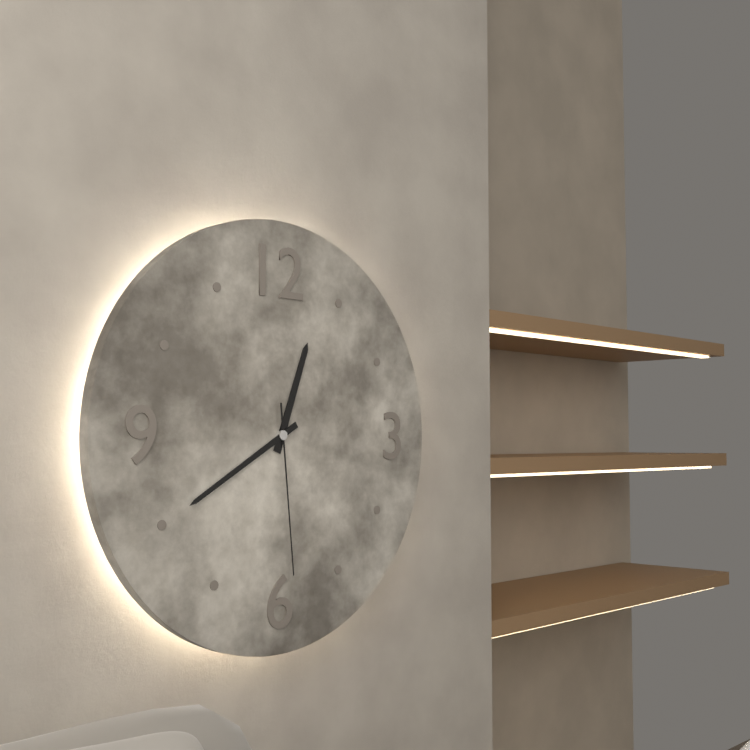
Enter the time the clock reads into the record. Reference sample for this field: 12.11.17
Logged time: 12.40.29
